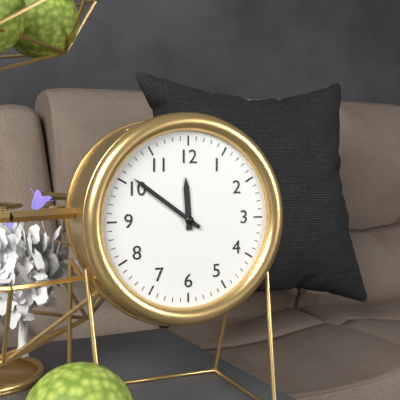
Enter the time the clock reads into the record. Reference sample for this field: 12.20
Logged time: 11.51
